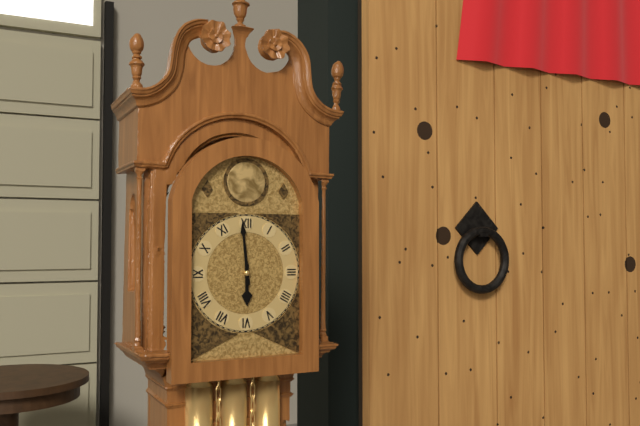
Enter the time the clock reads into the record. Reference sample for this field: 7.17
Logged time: 5.59
